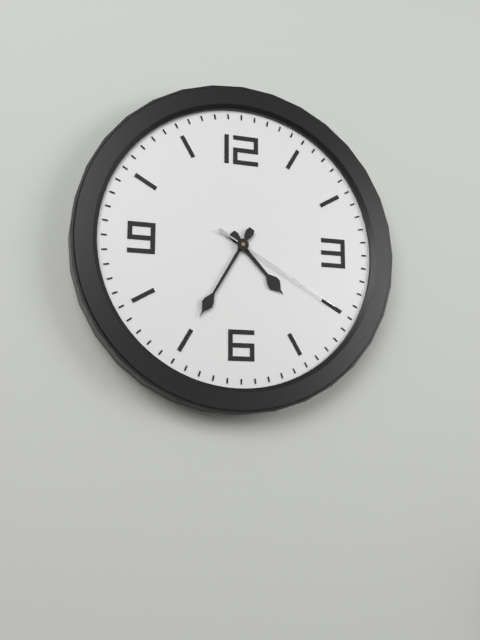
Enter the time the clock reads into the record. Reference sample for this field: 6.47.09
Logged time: 4.35.20
